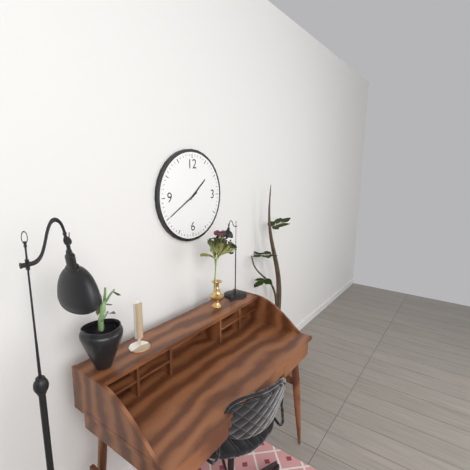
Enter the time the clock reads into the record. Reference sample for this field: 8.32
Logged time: 1.40
